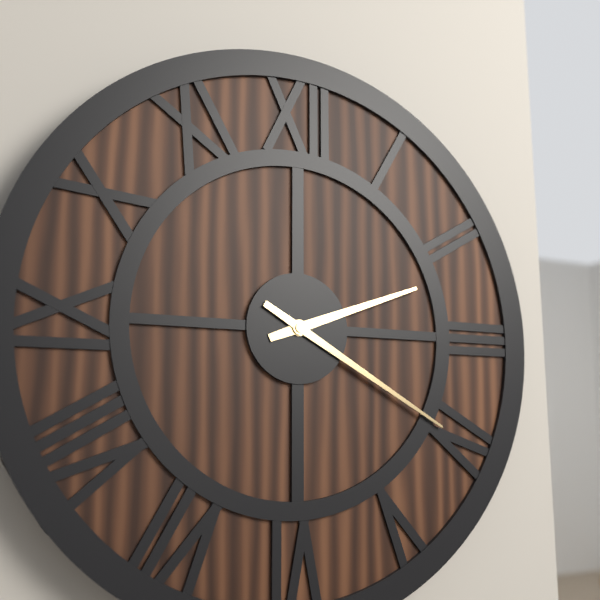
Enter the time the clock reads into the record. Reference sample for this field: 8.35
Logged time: 2.20
